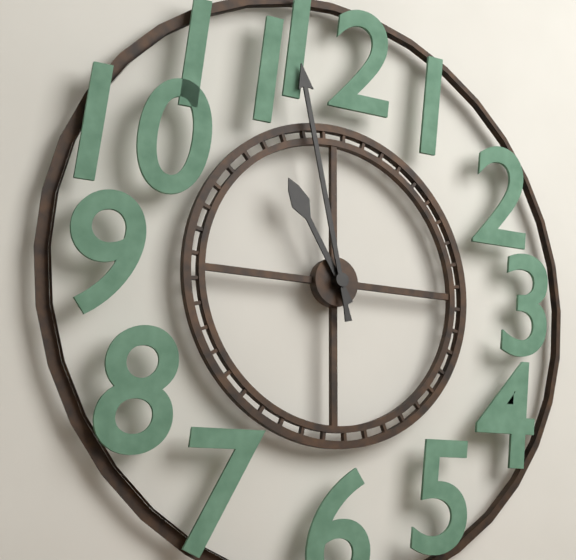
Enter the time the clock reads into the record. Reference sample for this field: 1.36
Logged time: 10.58
